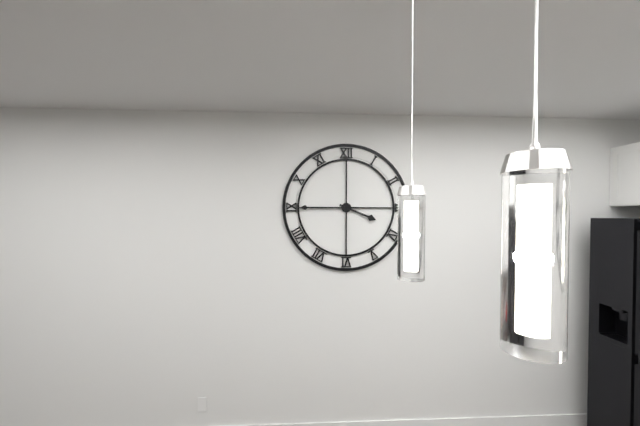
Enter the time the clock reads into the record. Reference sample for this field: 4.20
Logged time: 3.45
